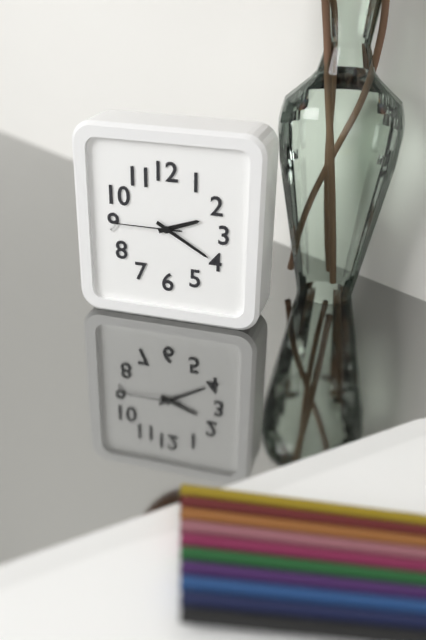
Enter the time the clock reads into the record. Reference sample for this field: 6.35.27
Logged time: 2.20.45
